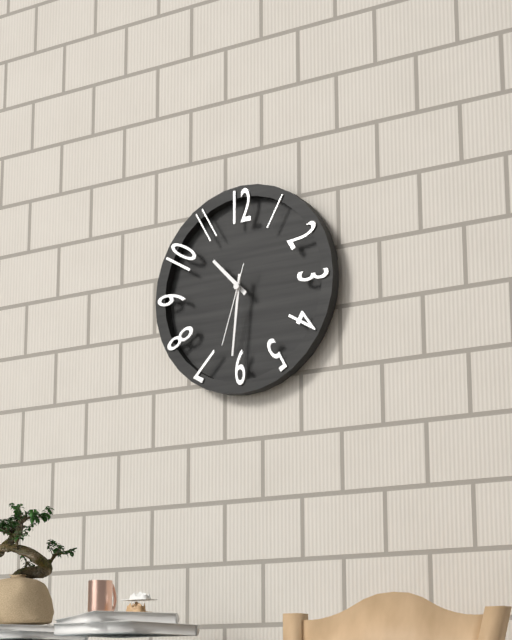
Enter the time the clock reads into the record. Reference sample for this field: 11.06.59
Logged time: 10.31.33
